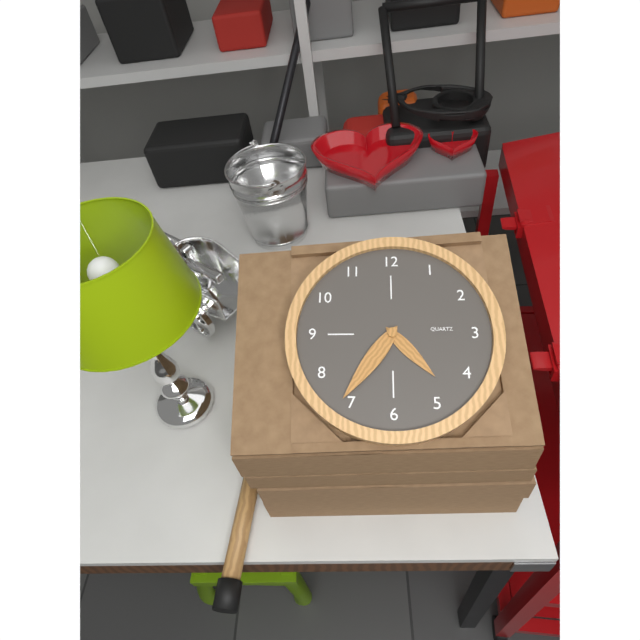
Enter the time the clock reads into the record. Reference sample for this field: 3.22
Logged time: 4.36
